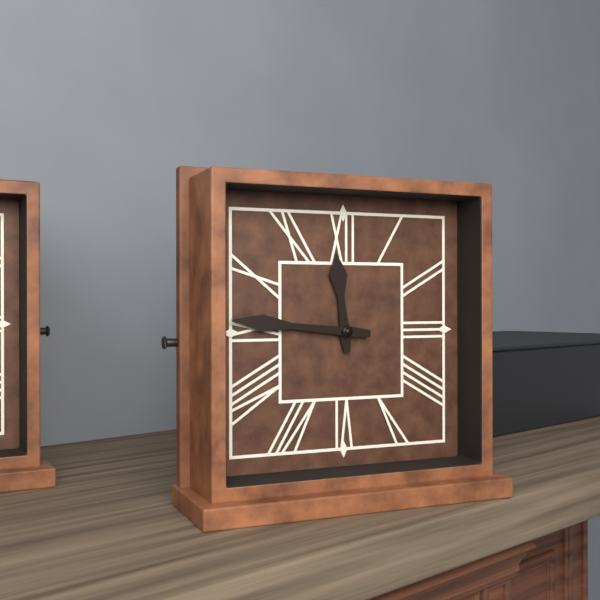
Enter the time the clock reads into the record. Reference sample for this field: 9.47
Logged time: 11.46
